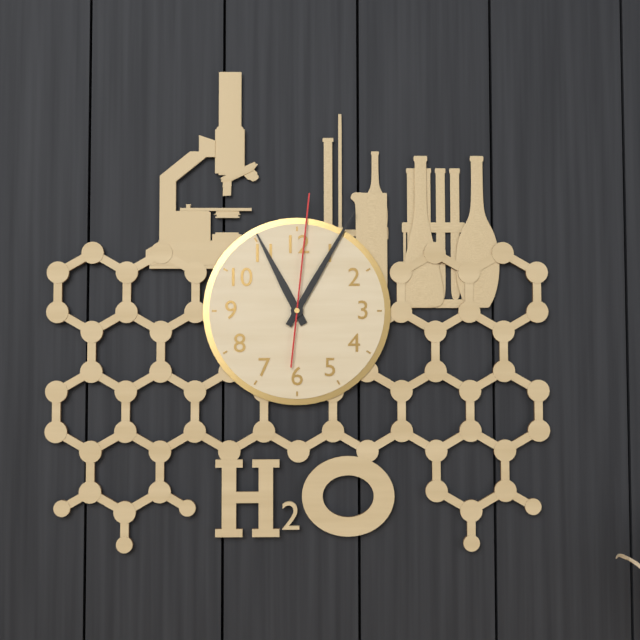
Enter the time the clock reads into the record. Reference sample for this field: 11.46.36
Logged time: 11.05.01
